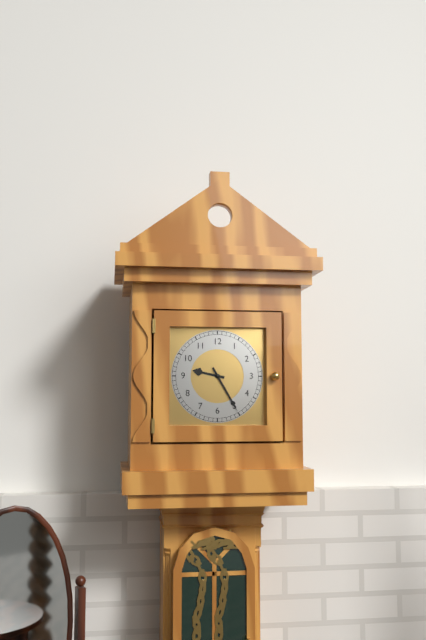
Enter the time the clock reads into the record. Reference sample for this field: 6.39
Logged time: 9.25
